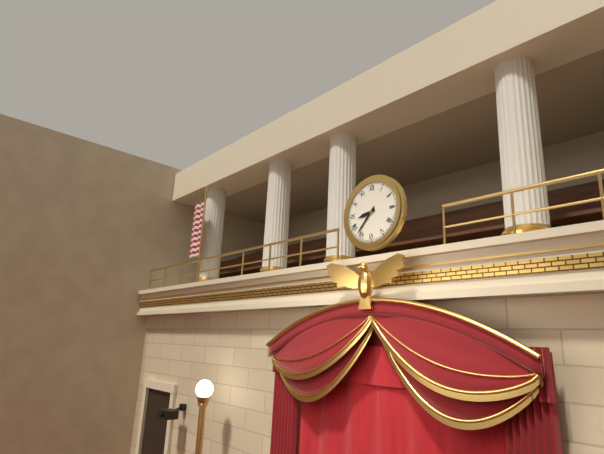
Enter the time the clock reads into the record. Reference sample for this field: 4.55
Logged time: 8.37
